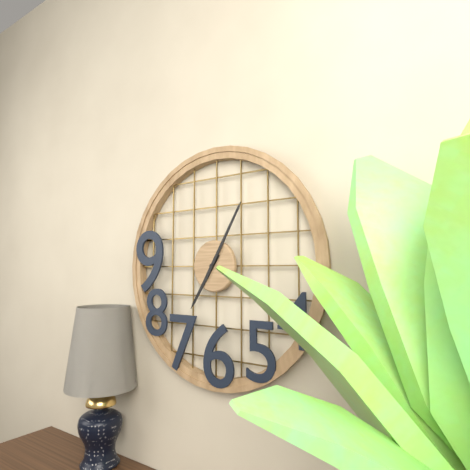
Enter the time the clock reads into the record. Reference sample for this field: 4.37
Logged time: 7.05
